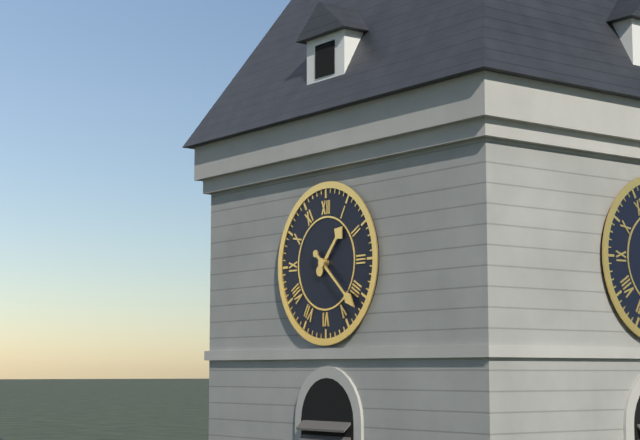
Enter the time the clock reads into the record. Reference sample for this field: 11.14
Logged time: 1.22
